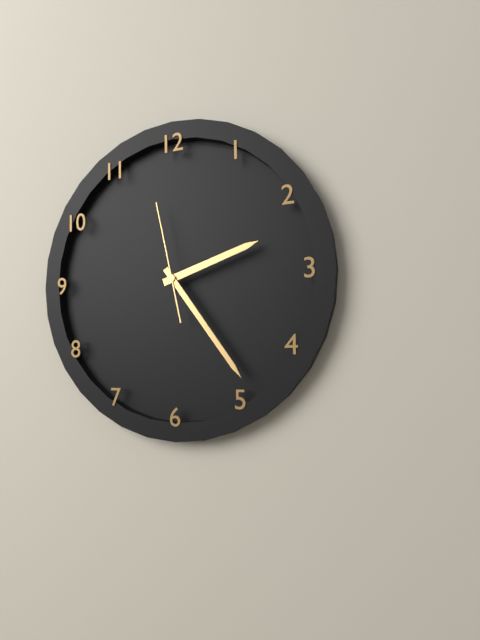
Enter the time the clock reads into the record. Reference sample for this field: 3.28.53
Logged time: 2.24.58
